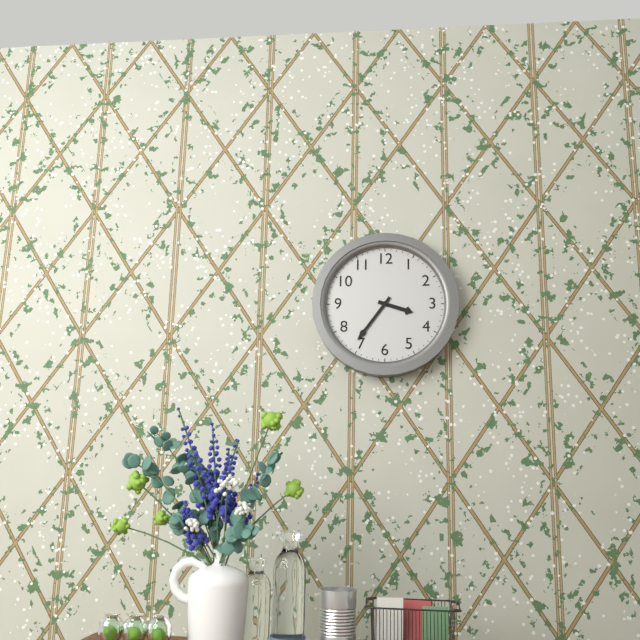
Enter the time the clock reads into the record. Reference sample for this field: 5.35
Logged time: 3.36
